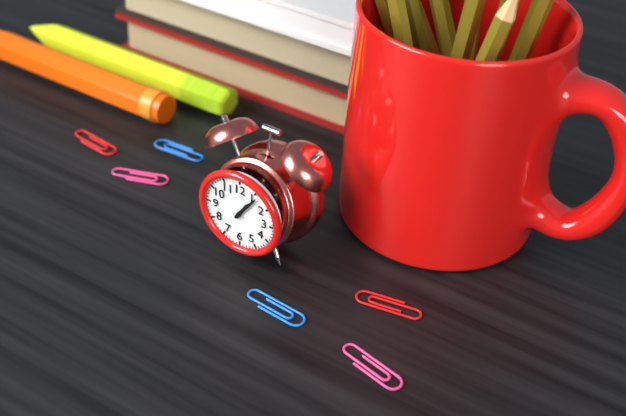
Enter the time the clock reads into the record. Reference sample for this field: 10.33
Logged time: 1.06
